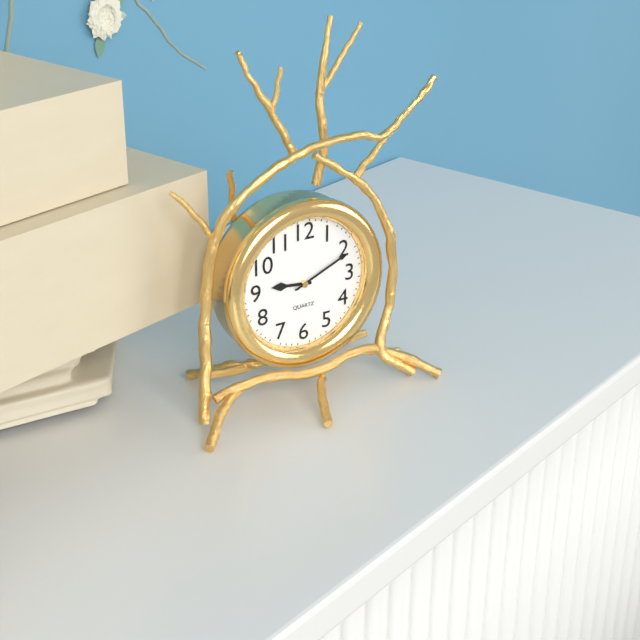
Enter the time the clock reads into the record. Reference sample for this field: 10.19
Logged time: 9.11
